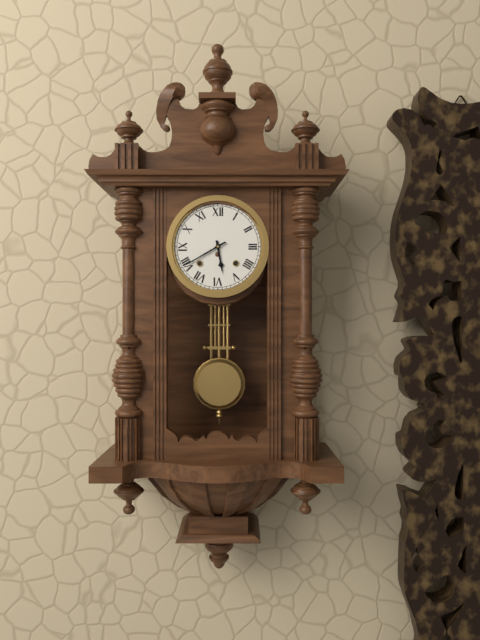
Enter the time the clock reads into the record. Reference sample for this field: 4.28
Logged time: 5.40
